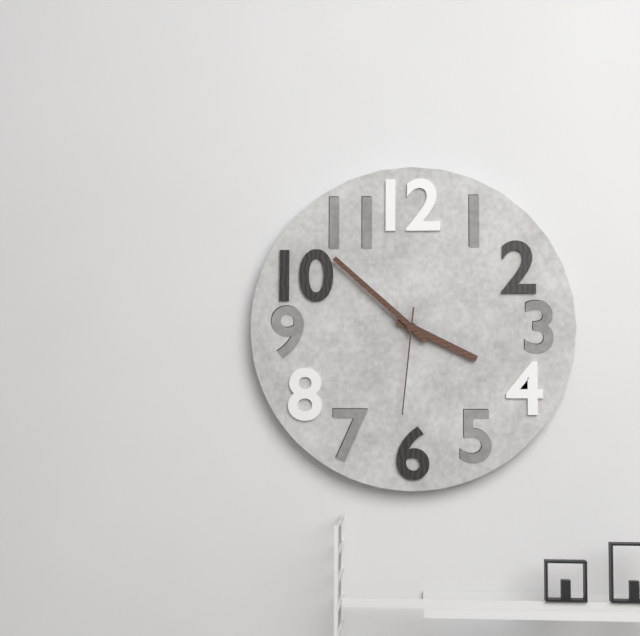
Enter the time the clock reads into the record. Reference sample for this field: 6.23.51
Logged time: 3.52.31
